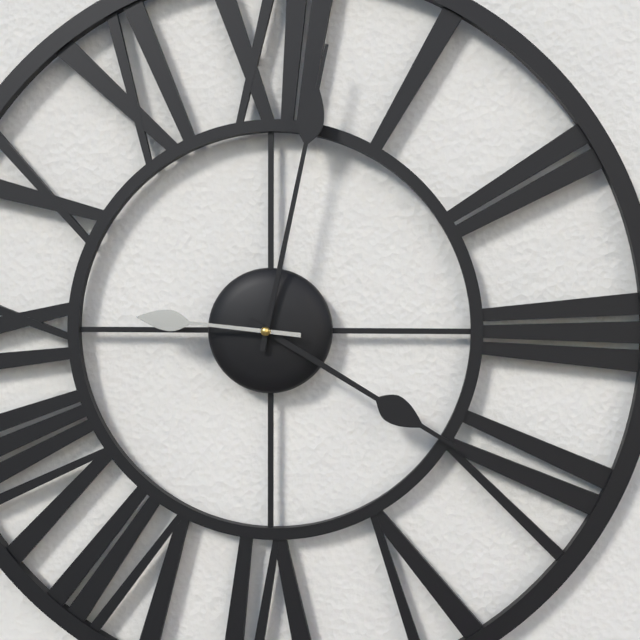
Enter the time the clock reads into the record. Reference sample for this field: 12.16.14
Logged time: 4.02.46
